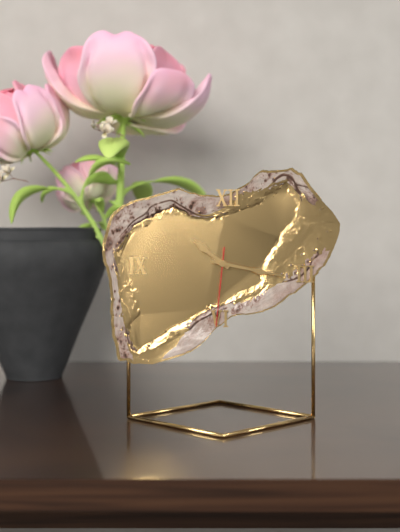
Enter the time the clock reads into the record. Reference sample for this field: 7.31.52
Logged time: 10.17.31
